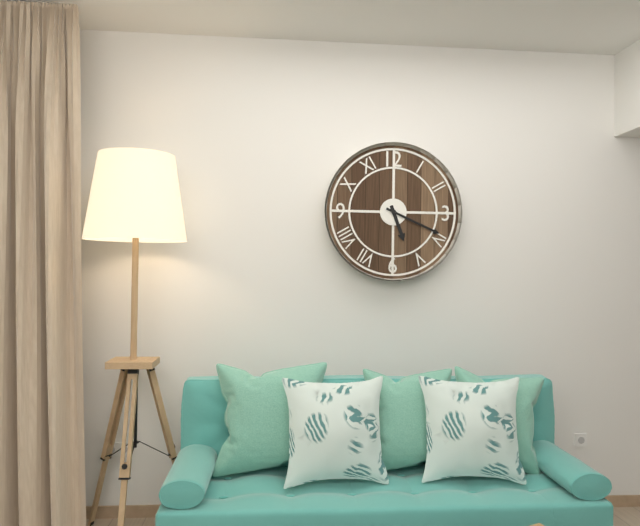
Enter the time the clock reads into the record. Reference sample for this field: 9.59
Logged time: 5.19
